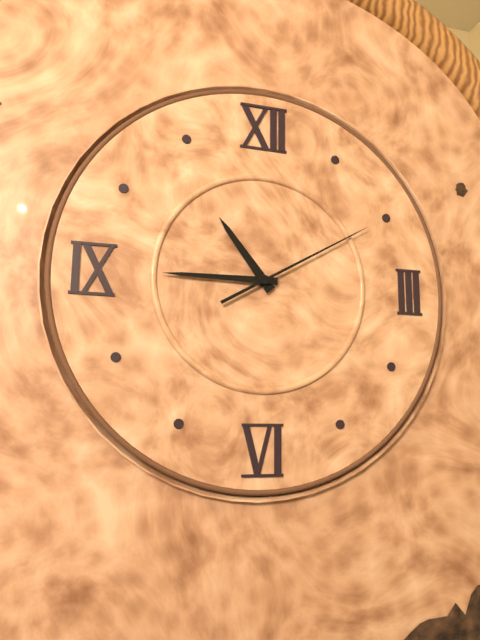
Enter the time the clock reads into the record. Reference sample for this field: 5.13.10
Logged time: 10.45.10
